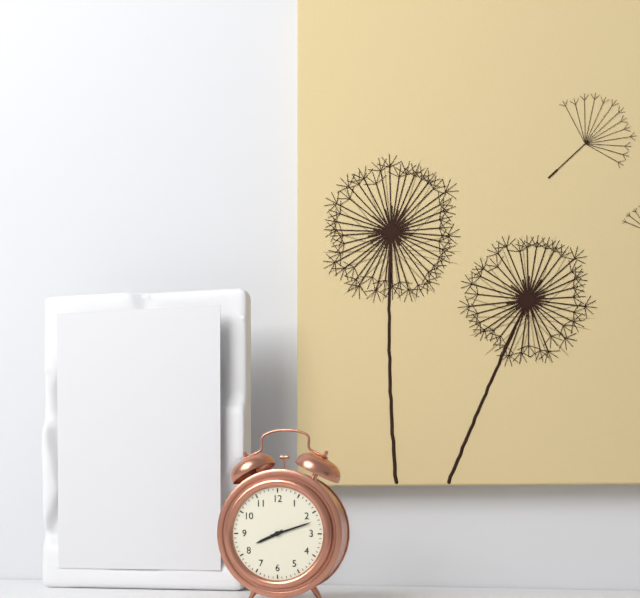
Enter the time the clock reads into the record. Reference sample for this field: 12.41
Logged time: 8.12
